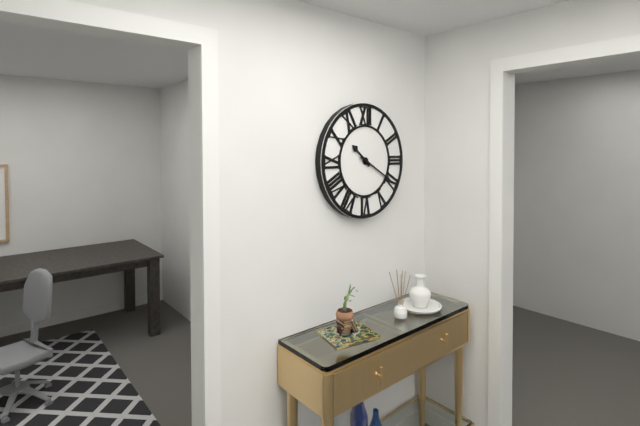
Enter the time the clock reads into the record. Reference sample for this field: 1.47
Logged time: 10.20
